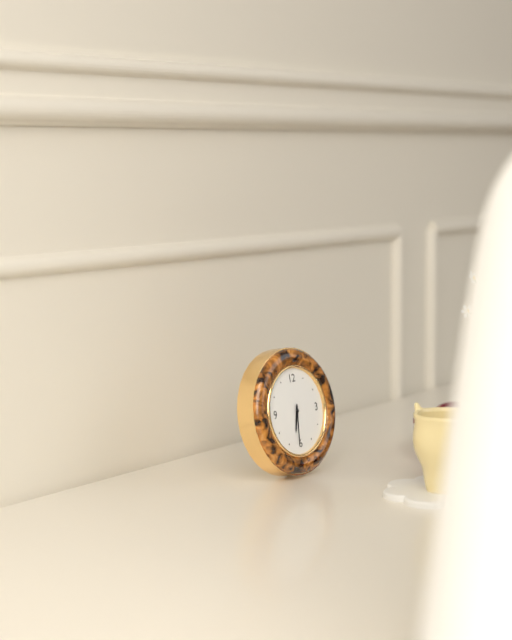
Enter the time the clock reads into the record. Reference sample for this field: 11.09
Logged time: 6.31
